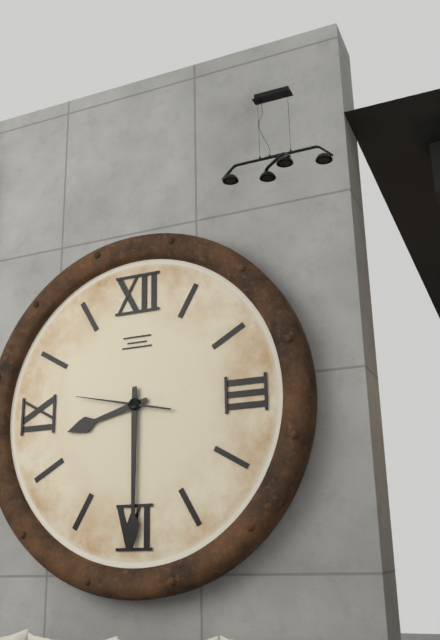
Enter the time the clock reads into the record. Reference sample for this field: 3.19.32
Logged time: 8.30.47
